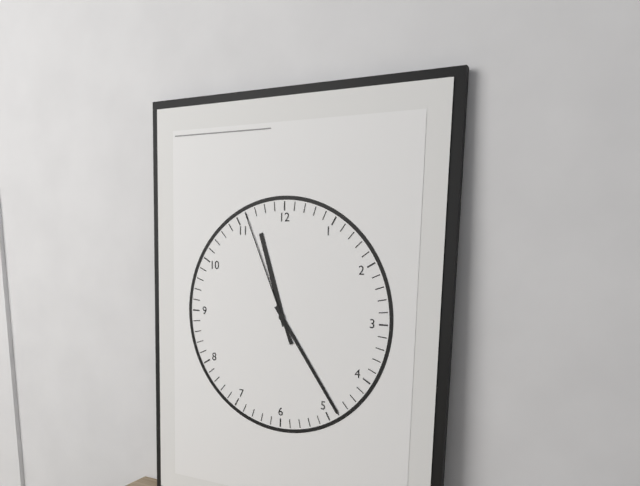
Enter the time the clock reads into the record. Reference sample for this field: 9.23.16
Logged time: 11.24.56
